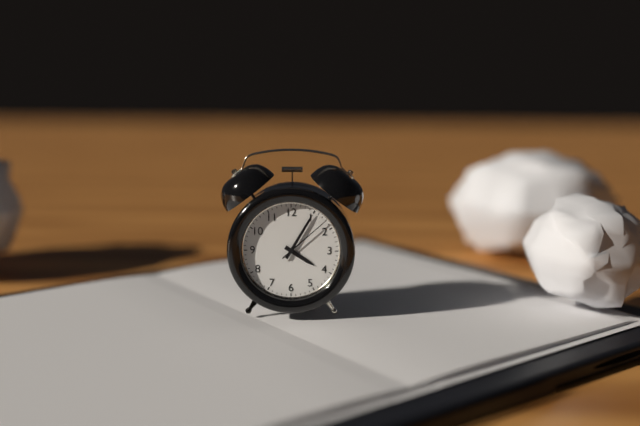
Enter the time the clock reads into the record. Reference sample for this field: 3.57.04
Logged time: 4.05.08
